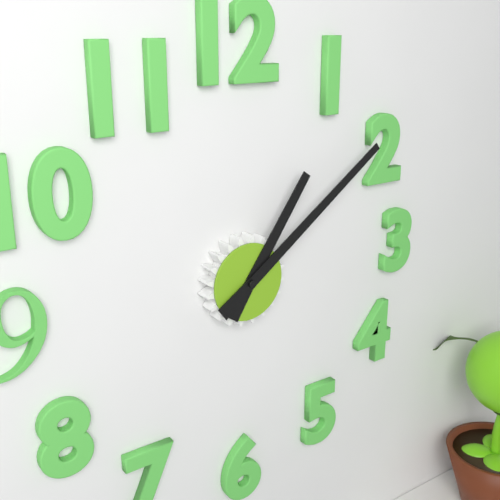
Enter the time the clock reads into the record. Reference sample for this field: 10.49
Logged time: 1.09
